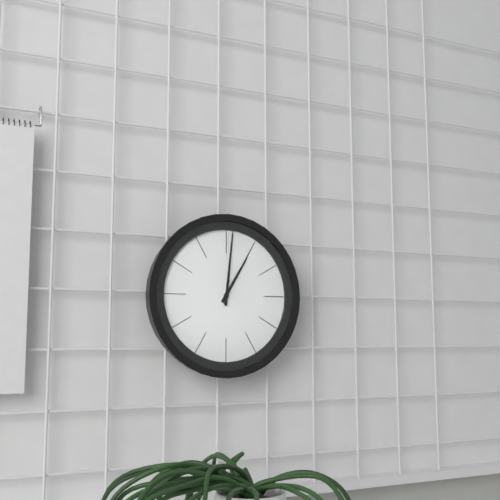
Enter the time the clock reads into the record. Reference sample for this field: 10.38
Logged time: 1.01
